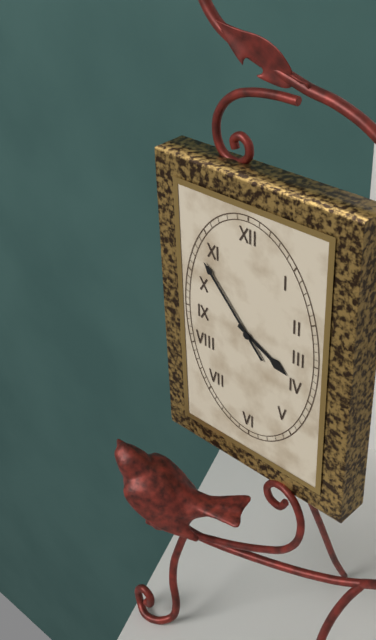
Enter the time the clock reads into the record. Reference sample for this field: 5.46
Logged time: 3.53
